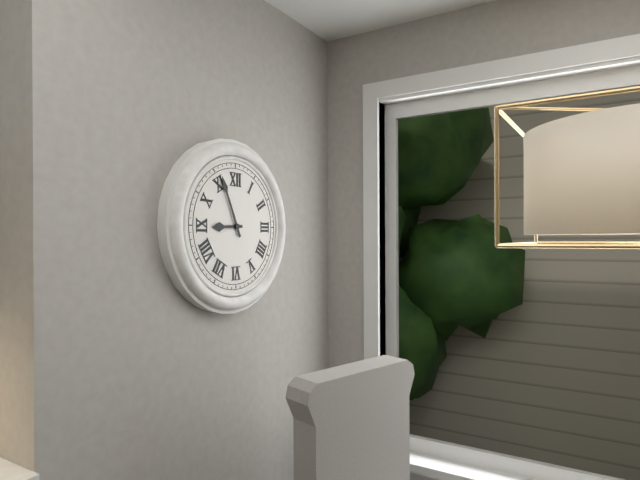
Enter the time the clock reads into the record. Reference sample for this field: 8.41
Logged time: 8.56
